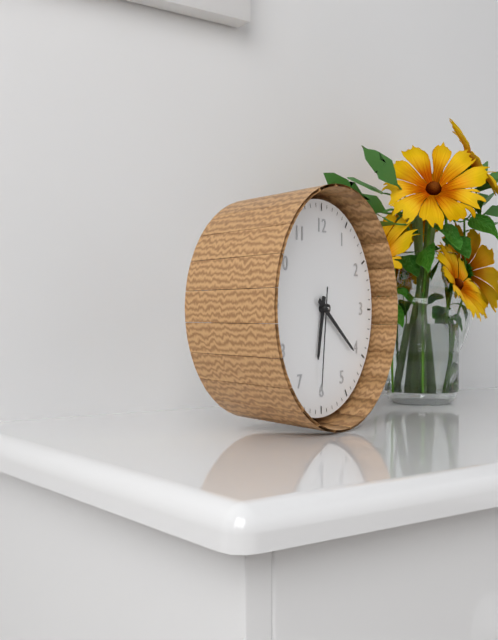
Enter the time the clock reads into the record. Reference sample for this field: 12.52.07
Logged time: 6.21.31
